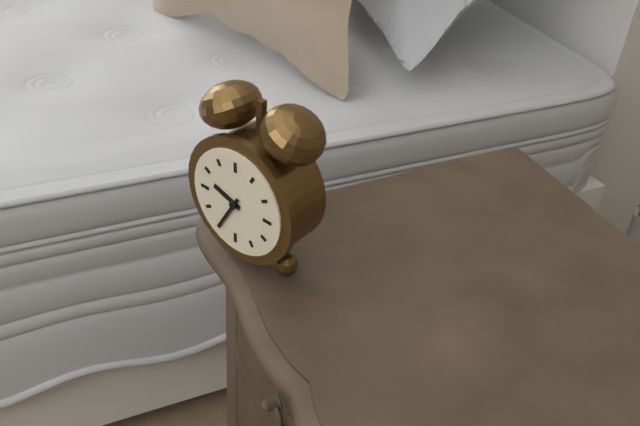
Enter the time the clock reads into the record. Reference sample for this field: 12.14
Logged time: 9.35
